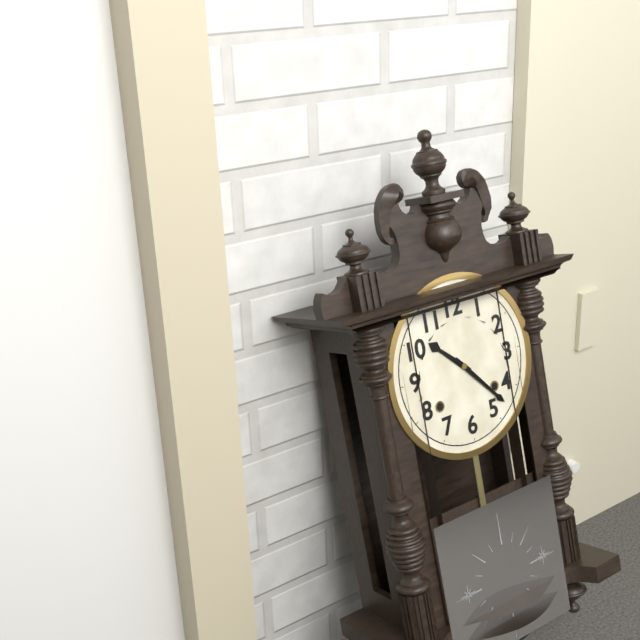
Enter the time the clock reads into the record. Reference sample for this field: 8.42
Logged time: 10.23
